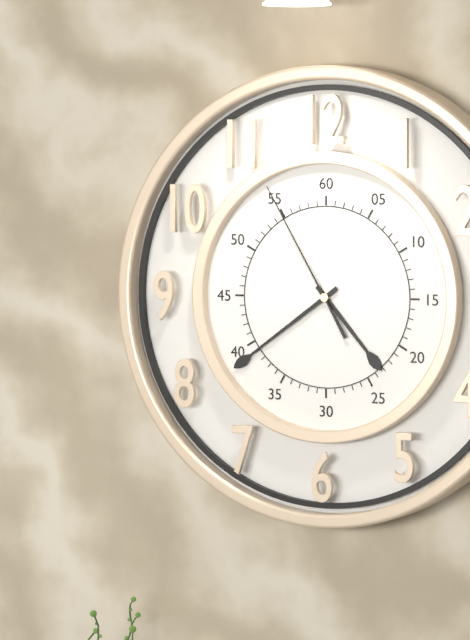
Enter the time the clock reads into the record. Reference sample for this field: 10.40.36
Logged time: 4.39.55
